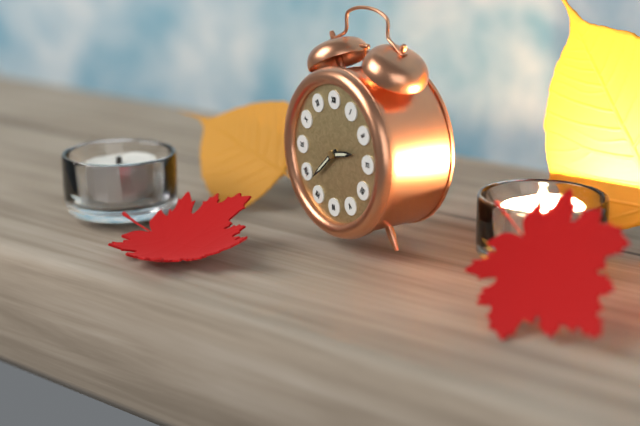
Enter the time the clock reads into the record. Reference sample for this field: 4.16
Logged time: 2.38
